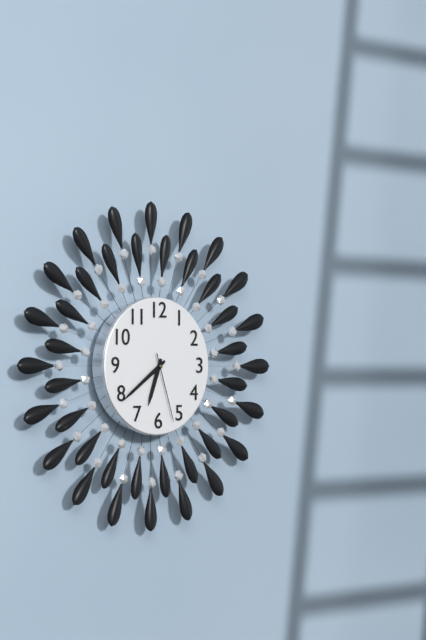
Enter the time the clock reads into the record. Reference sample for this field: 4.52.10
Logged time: 6.39.27
